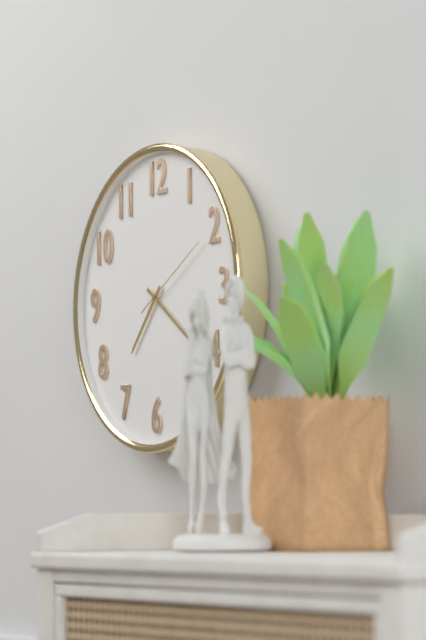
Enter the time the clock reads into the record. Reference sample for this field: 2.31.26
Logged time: 7.21.10
